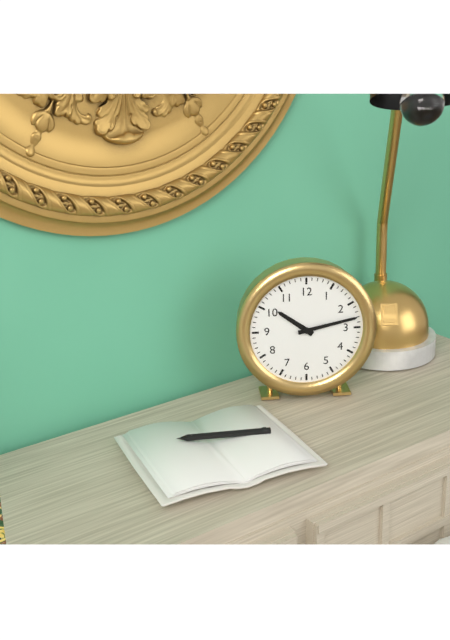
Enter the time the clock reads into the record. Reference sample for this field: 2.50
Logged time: 10.13
